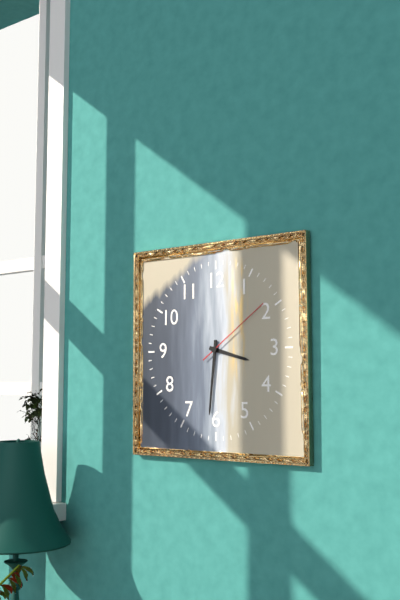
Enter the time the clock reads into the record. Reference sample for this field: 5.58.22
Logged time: 3.31.09
